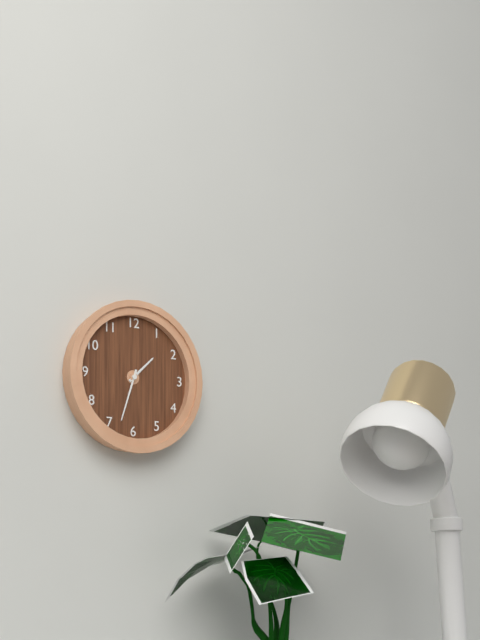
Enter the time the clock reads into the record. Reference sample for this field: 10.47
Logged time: 1.33
